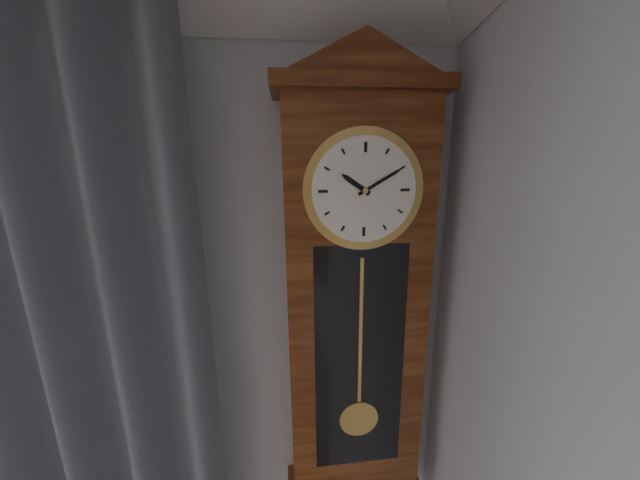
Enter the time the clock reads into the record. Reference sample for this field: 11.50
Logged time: 10.10
